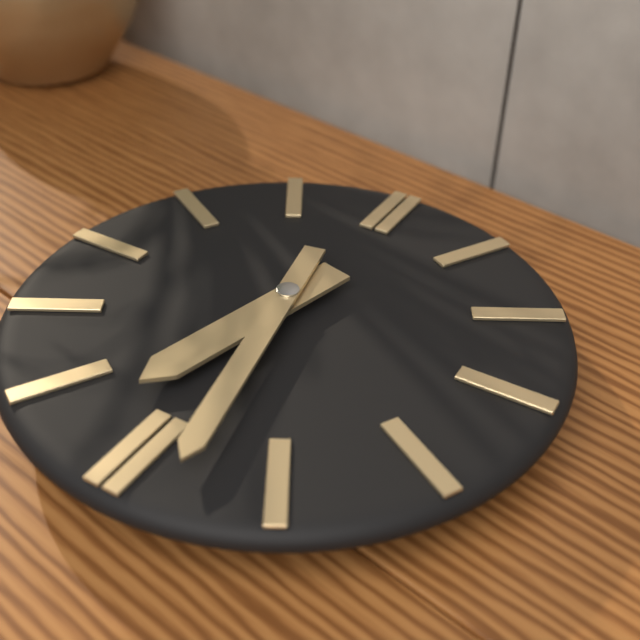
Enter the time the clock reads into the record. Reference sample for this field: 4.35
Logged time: 6.28
